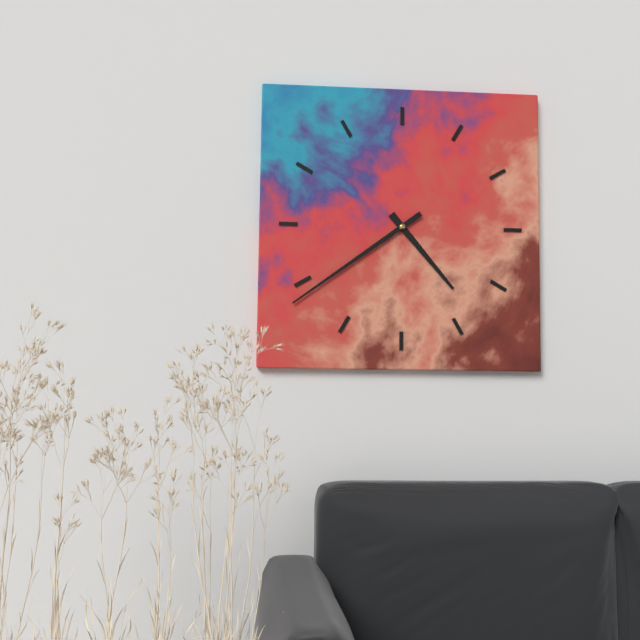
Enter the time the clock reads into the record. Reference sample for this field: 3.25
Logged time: 4.39
